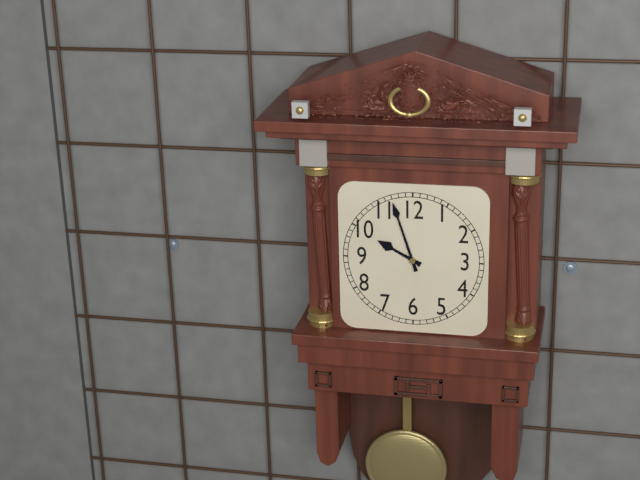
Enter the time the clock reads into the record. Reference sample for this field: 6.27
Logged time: 9.57
